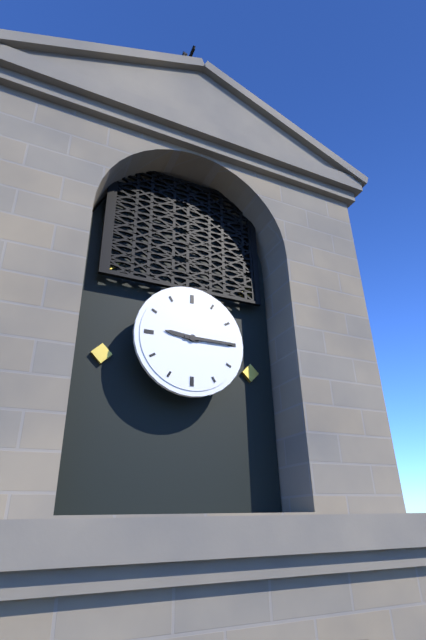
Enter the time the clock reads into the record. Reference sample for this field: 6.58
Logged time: 9.15
